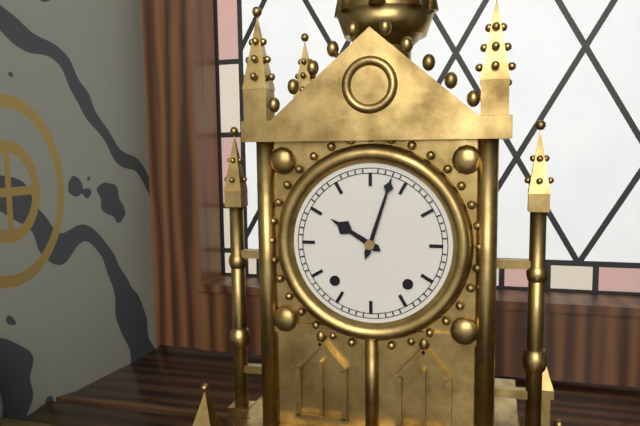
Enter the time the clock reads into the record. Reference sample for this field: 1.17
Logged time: 10.03
